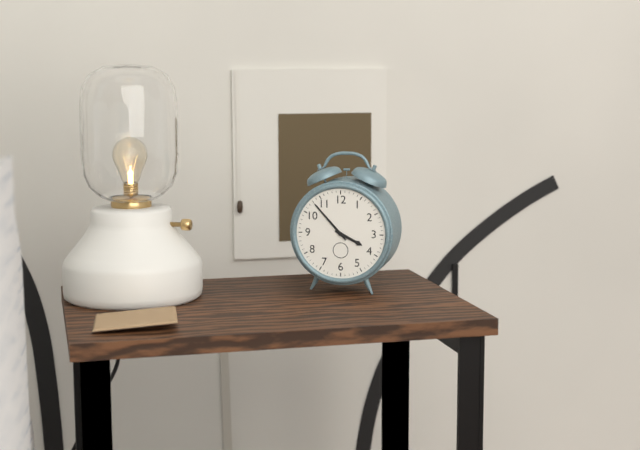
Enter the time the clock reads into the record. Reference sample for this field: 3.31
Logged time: 3.53
